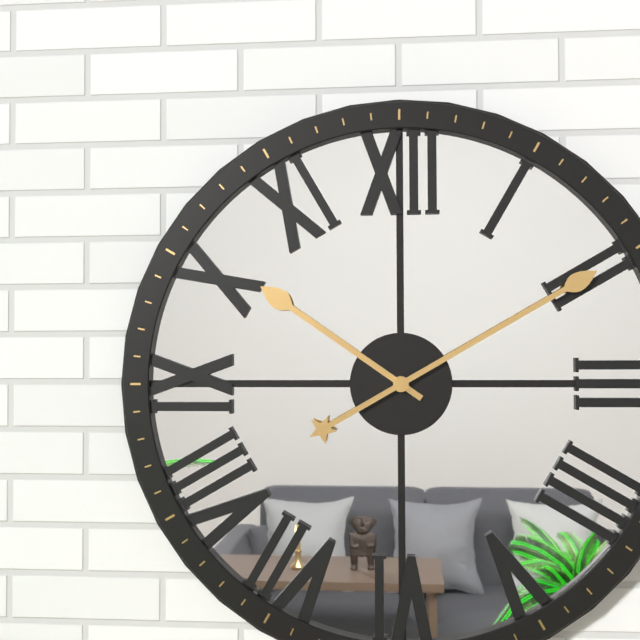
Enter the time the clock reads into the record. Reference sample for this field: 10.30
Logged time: 10.10
